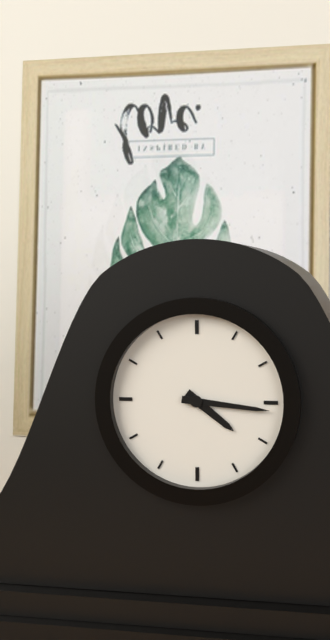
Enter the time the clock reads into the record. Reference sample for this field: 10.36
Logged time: 4.16
